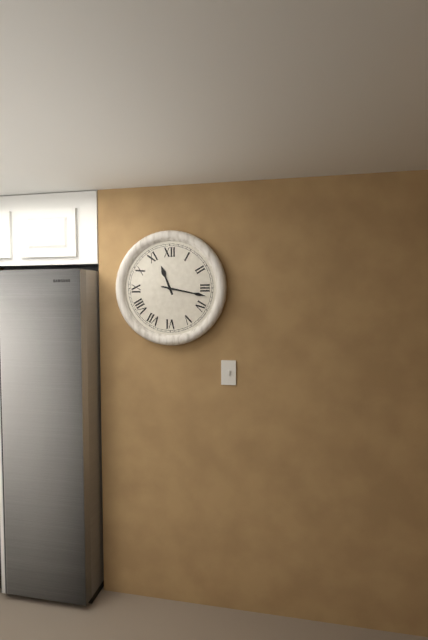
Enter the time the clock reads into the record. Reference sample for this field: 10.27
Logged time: 11.17
